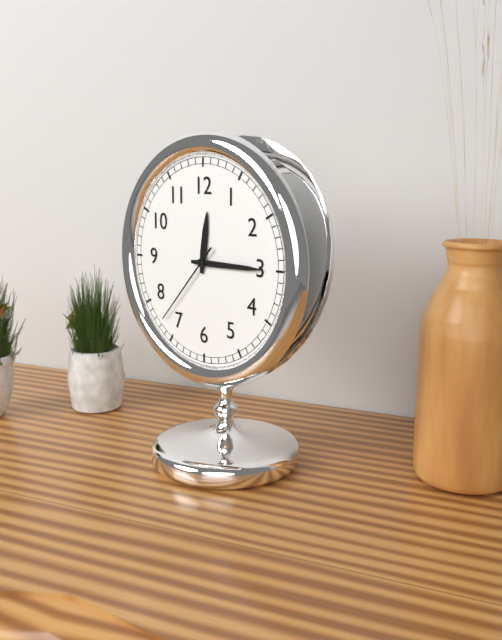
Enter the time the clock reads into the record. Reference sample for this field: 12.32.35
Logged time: 12.15.37
